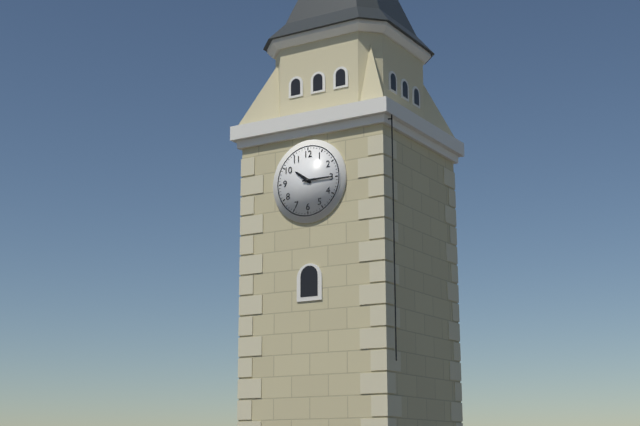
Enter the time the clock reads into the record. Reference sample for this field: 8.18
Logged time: 10.15
